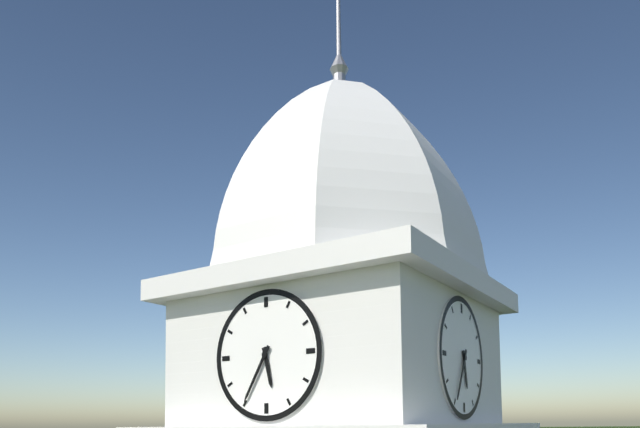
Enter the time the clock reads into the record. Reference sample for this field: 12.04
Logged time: 5.35
